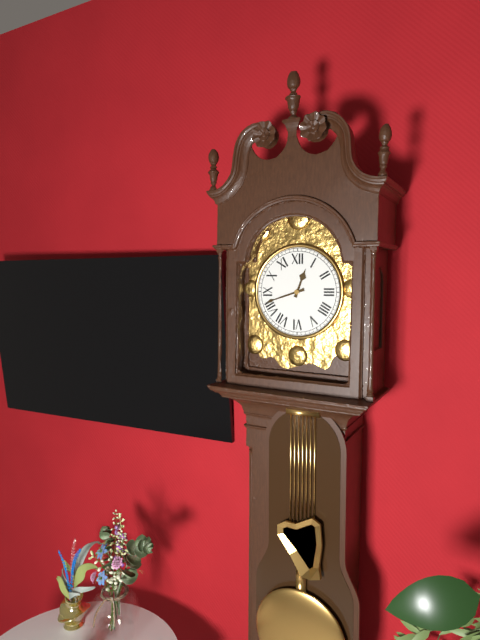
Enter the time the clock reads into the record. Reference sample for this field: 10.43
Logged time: 12.42
